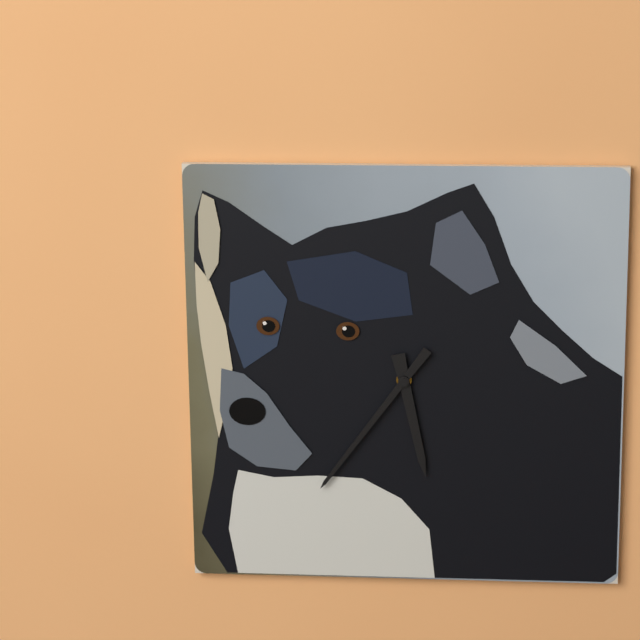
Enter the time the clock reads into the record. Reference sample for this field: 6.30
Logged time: 5.36
